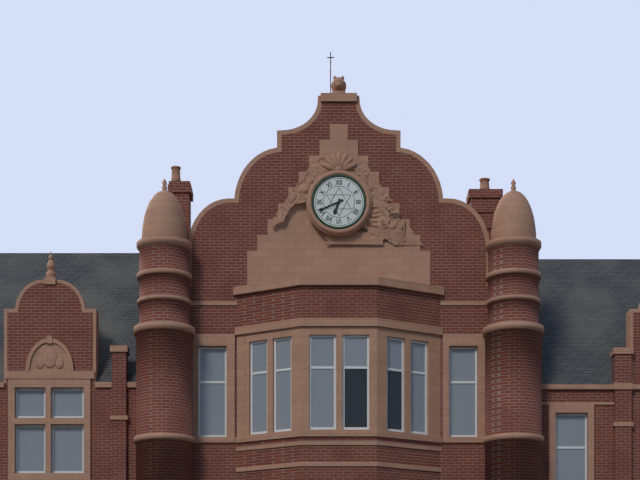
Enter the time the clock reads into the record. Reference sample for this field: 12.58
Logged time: 6.41
